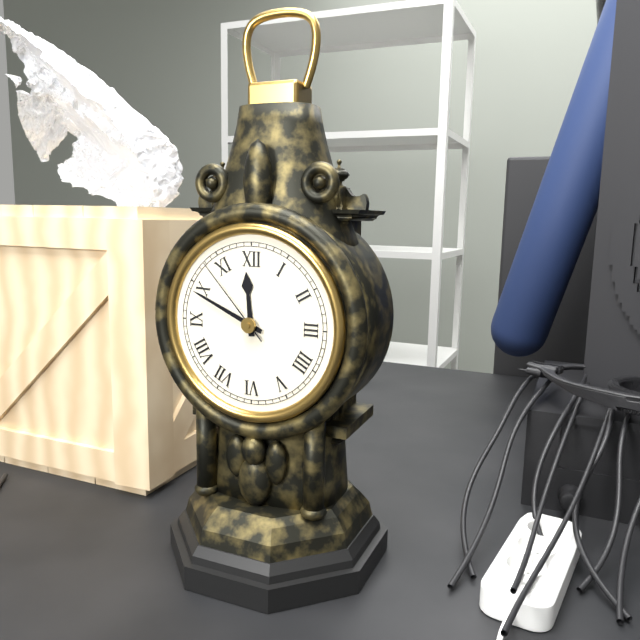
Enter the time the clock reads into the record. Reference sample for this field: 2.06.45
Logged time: 11.49.53
